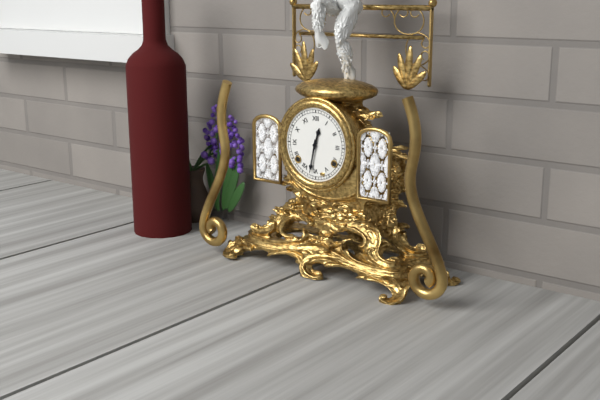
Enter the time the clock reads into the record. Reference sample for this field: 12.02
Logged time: 12.32
